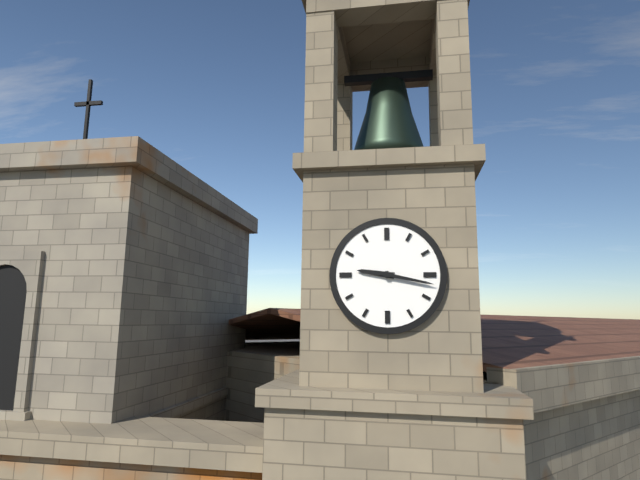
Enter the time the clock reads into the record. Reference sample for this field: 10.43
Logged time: 9.17
